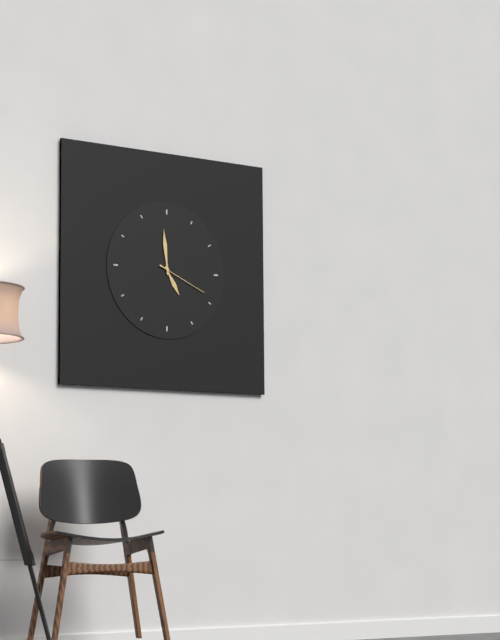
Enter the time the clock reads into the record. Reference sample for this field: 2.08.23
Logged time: 4.59.19
